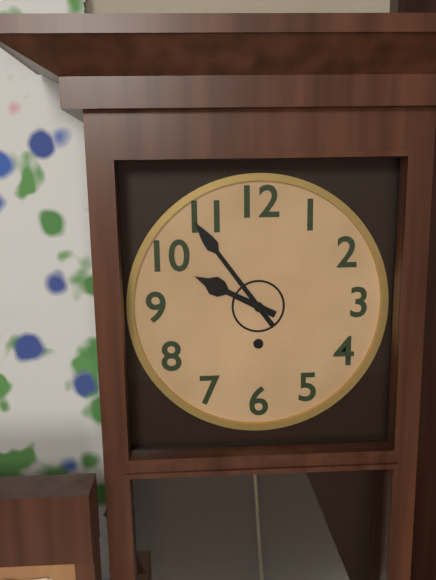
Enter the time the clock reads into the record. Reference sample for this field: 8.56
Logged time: 9.54
